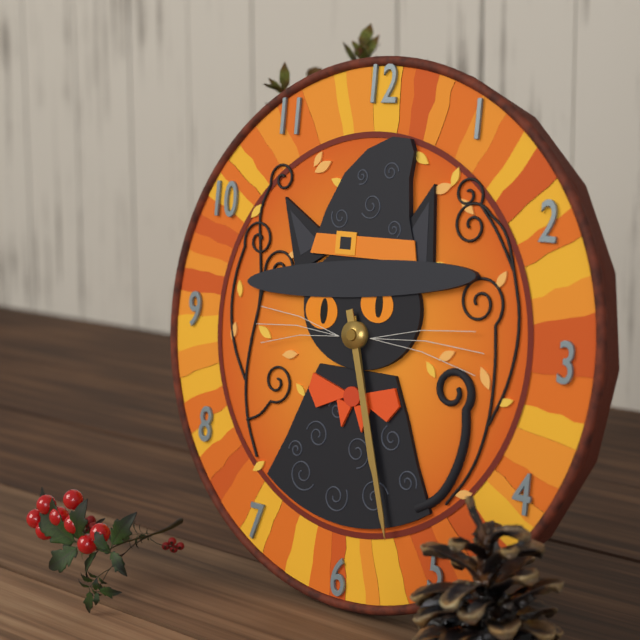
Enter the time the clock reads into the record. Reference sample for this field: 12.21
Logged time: 5.27
